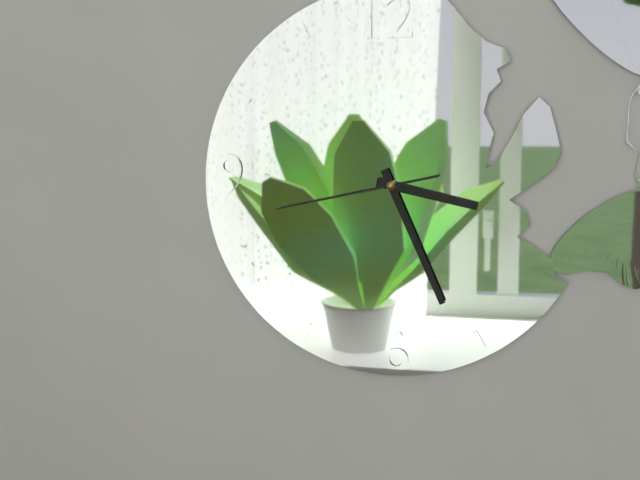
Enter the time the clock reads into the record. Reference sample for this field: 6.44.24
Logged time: 3.26.43
